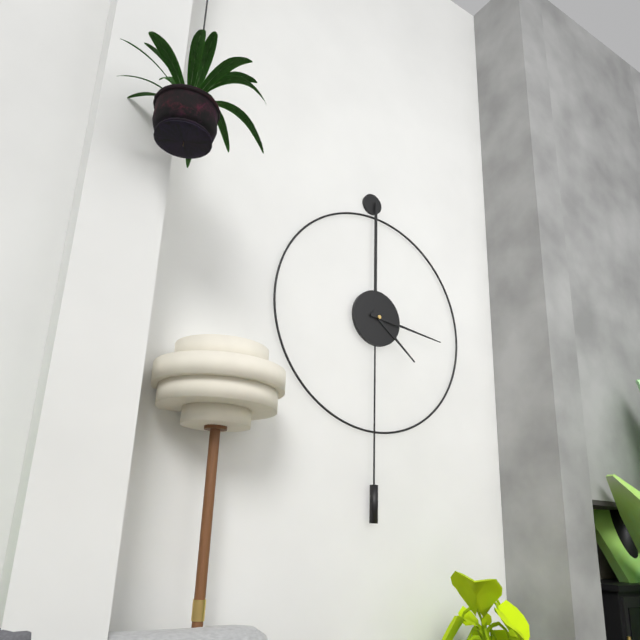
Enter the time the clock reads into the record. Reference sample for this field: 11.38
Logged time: 4.16
